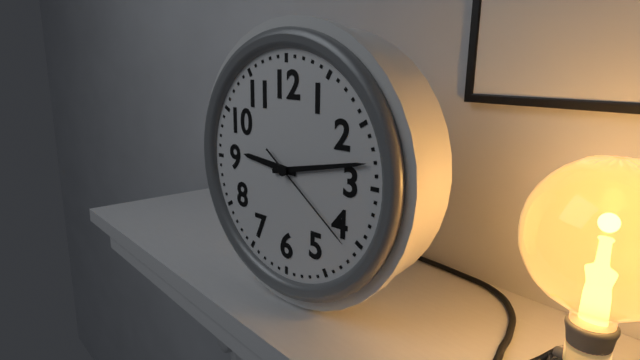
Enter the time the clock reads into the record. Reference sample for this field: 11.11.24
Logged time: 9.13.21
